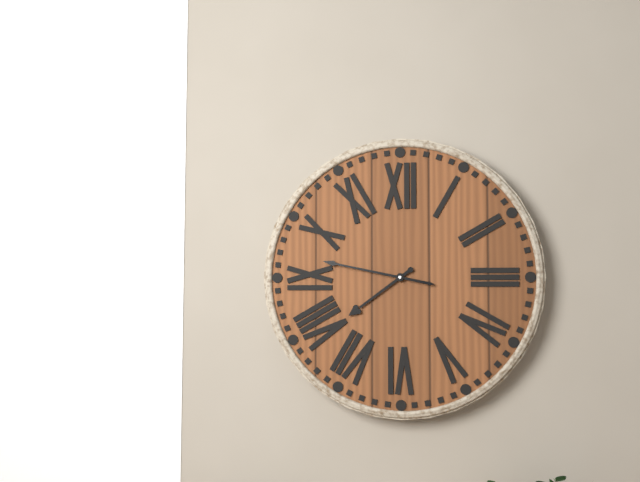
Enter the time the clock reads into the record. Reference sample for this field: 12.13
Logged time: 7.47
